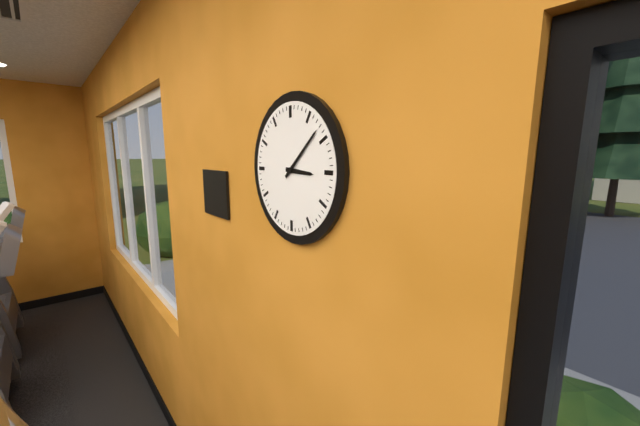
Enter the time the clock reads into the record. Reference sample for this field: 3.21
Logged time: 3.08
